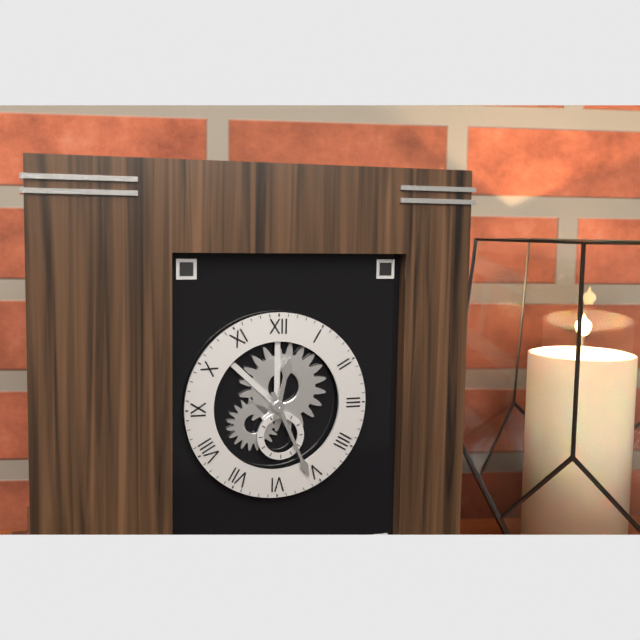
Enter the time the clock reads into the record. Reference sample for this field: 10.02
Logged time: 12.26
